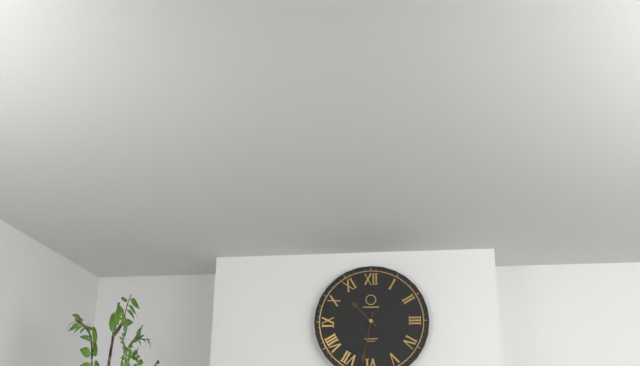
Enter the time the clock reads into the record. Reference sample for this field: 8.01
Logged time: 10.32
